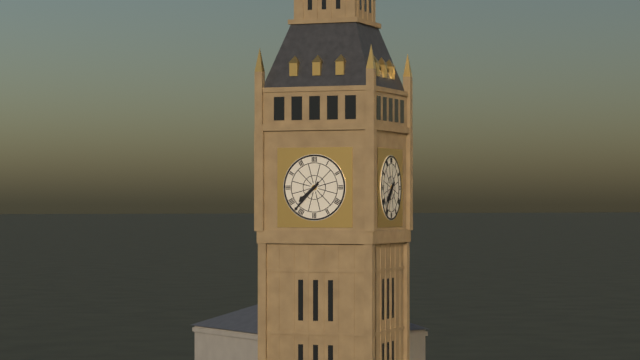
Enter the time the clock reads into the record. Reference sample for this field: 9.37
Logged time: 7.37
